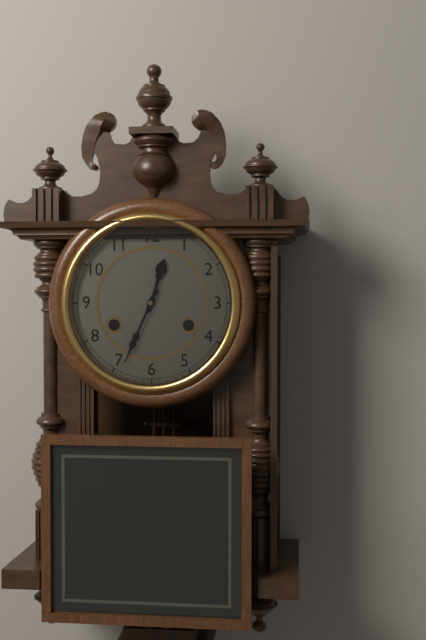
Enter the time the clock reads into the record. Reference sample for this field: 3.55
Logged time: 12.34
